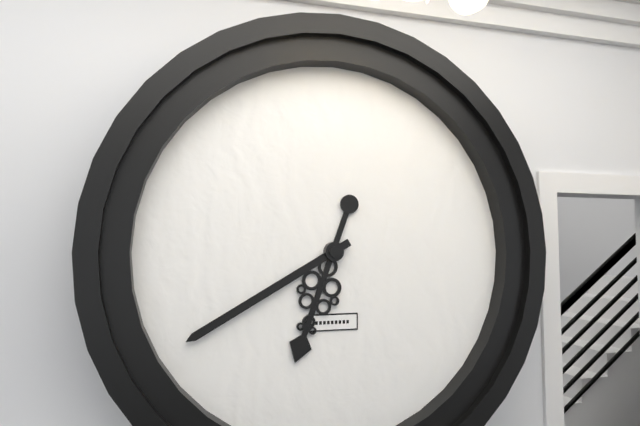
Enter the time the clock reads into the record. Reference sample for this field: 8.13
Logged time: 6.40
